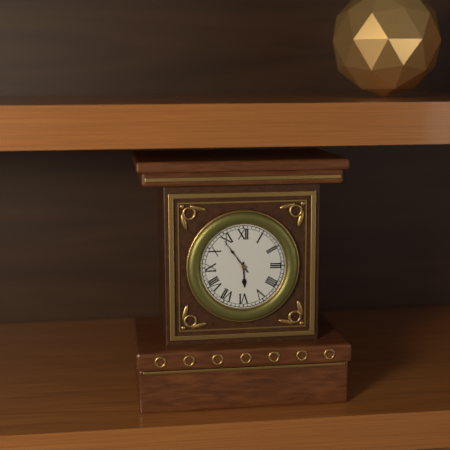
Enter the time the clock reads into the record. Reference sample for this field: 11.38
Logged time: 5.54
